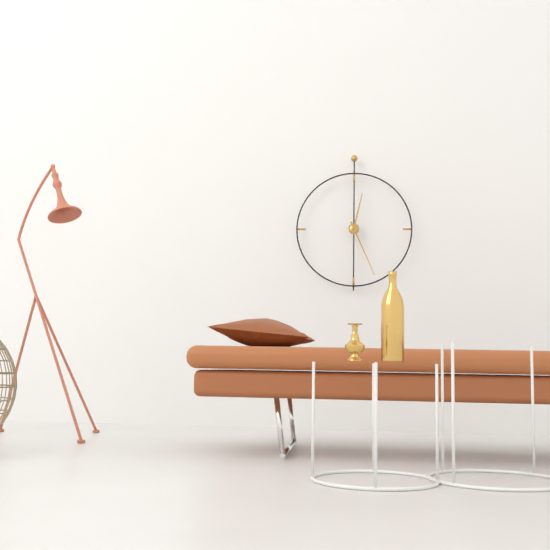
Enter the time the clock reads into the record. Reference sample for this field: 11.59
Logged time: 12.26
